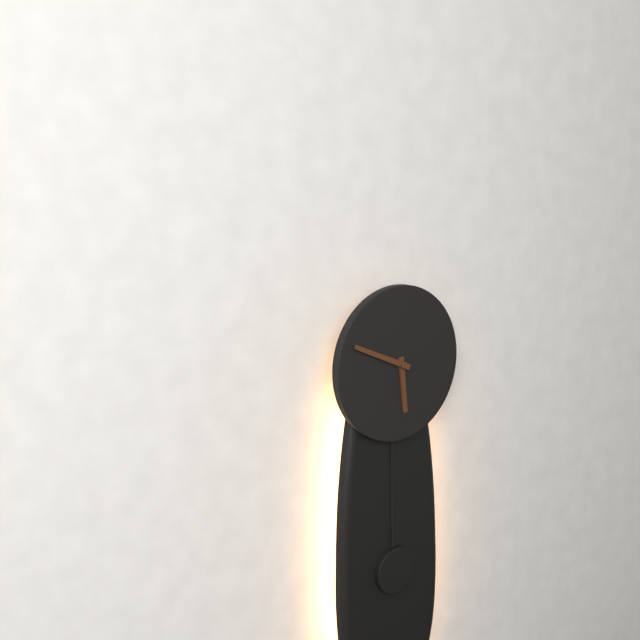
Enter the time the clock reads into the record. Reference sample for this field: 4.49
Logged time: 5.49
